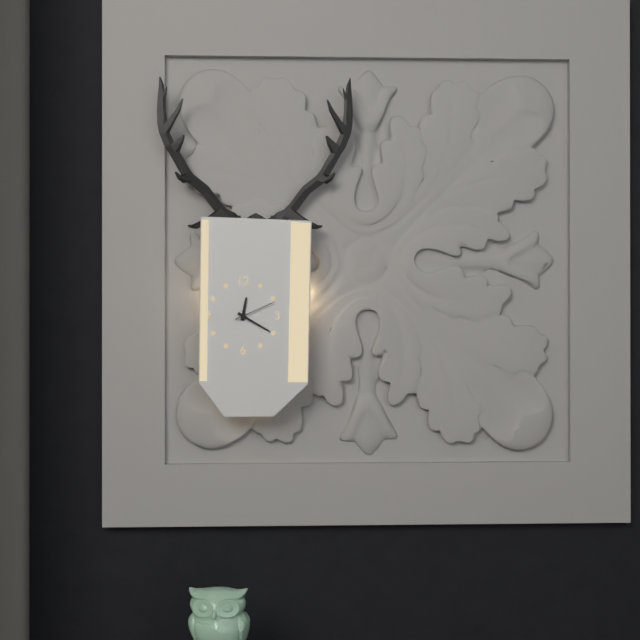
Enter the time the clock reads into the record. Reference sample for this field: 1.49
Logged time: 12.20
